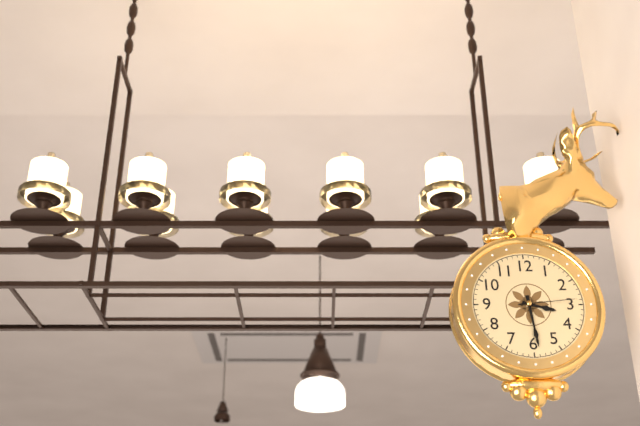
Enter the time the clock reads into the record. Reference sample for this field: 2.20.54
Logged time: 3.29.14
